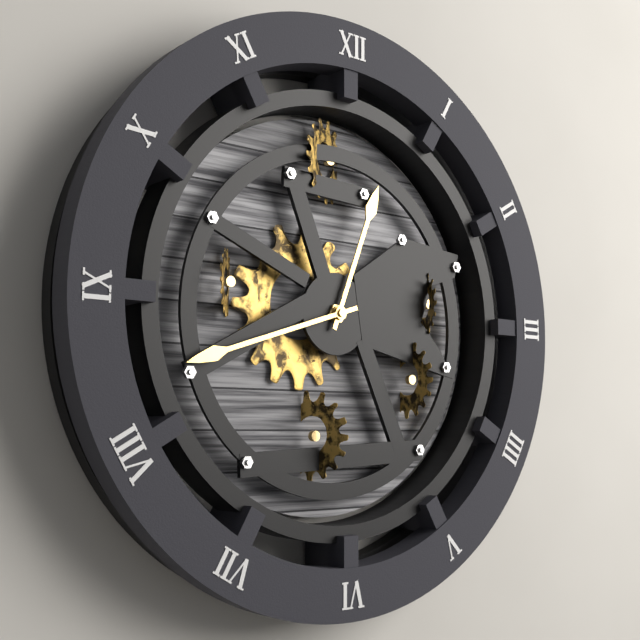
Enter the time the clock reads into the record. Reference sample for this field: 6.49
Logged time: 12.42
